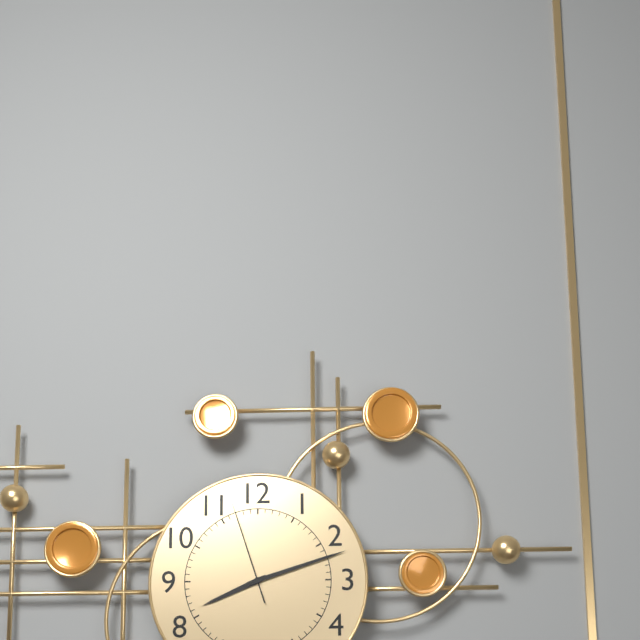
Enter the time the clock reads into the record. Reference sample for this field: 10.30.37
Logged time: 8.12.57
